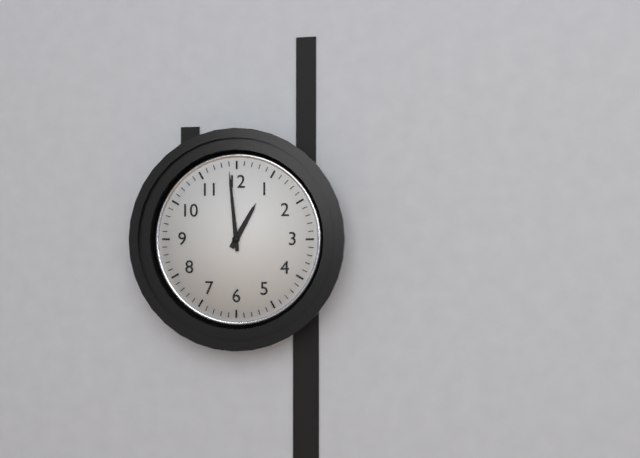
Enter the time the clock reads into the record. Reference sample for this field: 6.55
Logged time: 12.59
